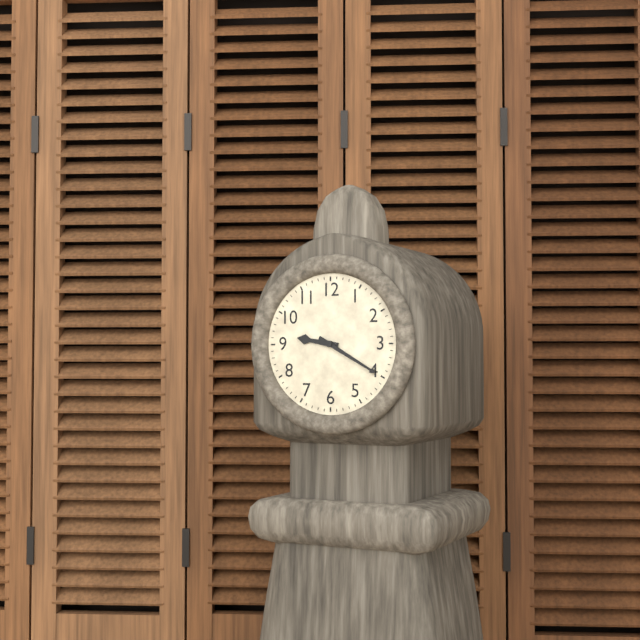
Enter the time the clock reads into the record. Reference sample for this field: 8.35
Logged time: 9.20
